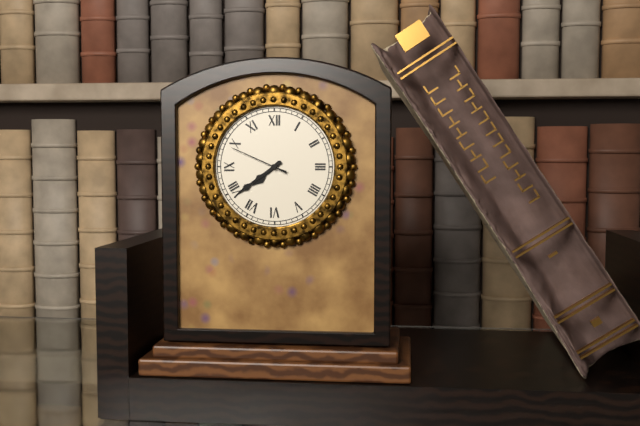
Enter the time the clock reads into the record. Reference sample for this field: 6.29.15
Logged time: 7.39.49
